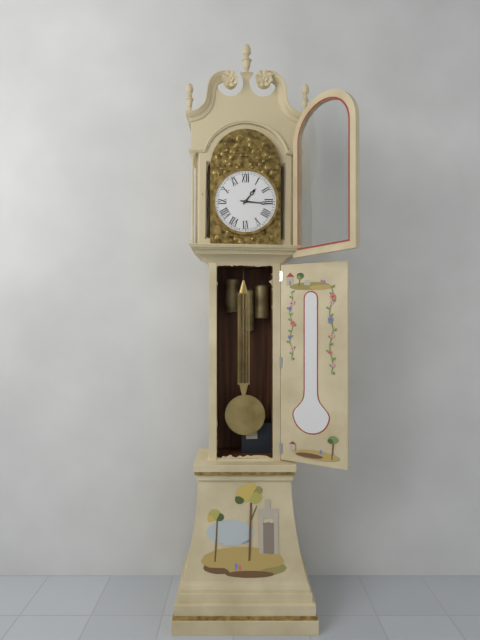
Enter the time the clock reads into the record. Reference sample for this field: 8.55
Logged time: 1.16
